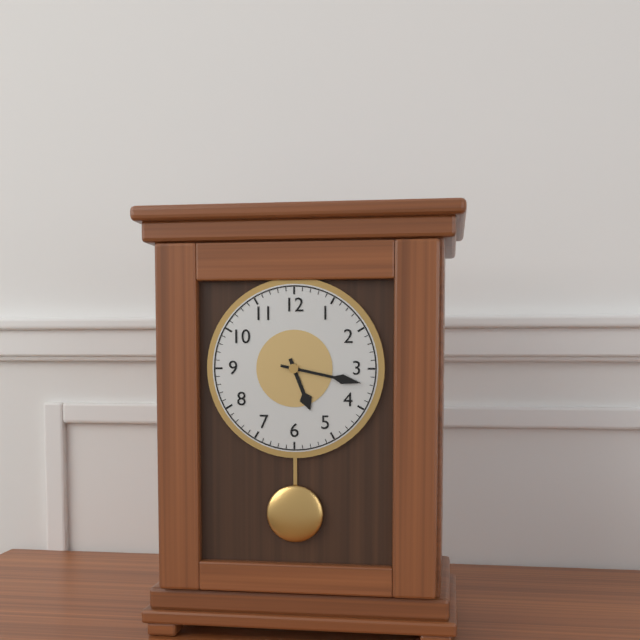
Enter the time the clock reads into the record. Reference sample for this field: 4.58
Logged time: 5.17
